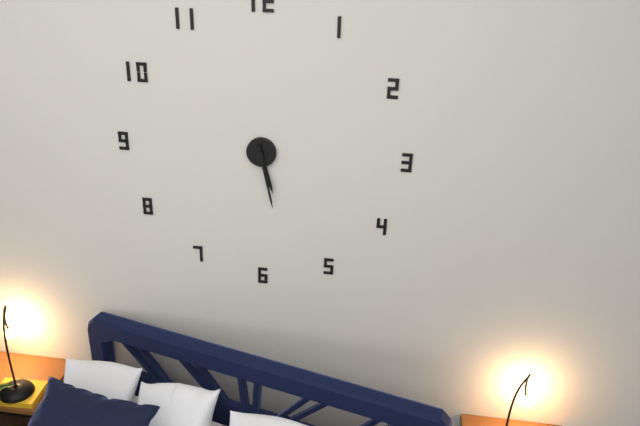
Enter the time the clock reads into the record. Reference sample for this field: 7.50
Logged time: 5.28
